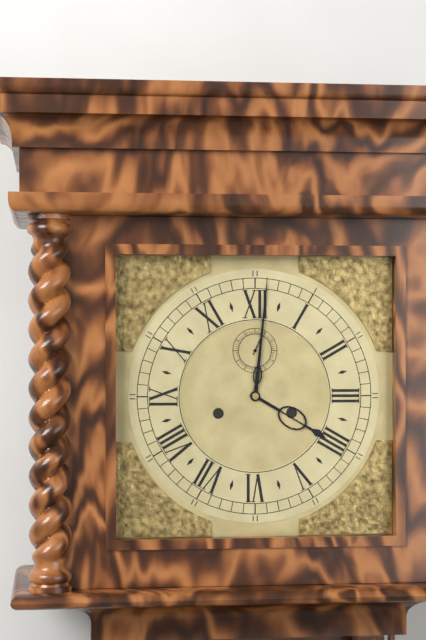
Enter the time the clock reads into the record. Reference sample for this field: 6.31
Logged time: 4.01
